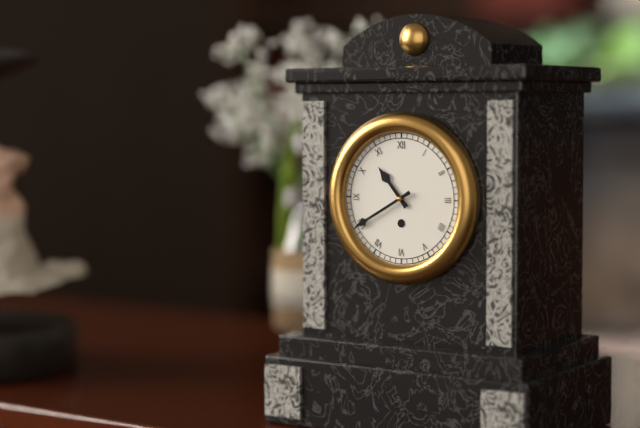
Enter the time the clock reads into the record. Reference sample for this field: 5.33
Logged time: 10.40
